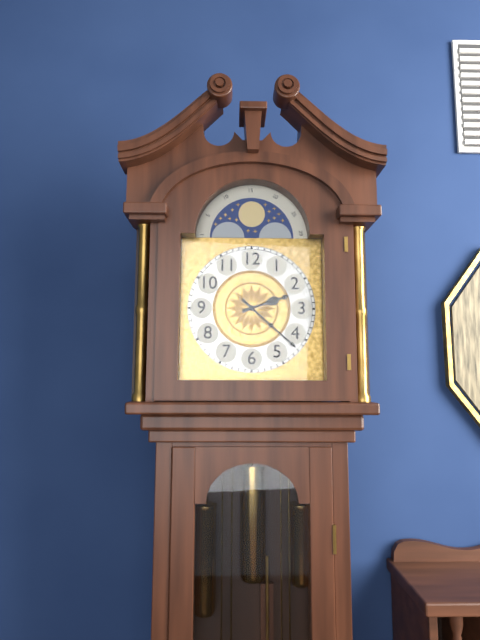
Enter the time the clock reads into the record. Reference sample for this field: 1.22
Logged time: 2.22
